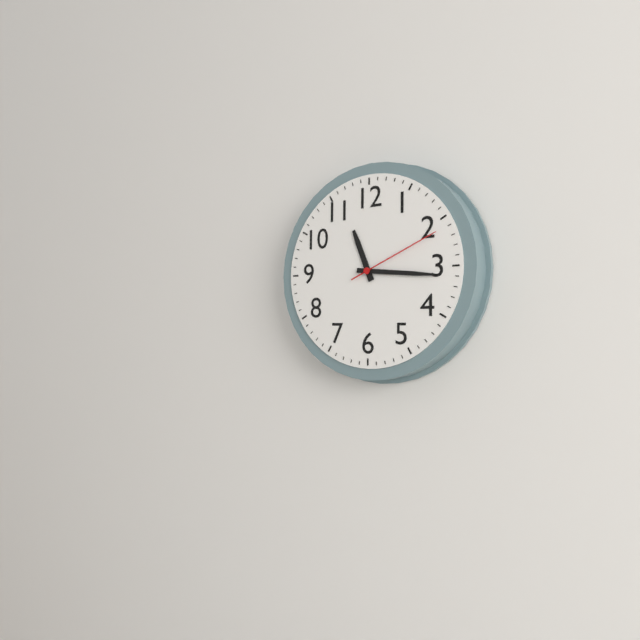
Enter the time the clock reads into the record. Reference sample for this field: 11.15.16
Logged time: 11.16.11
